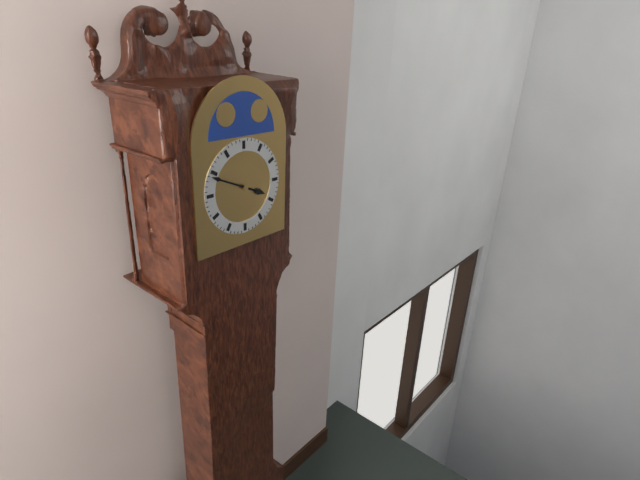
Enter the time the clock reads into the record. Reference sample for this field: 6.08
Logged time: 3.49
